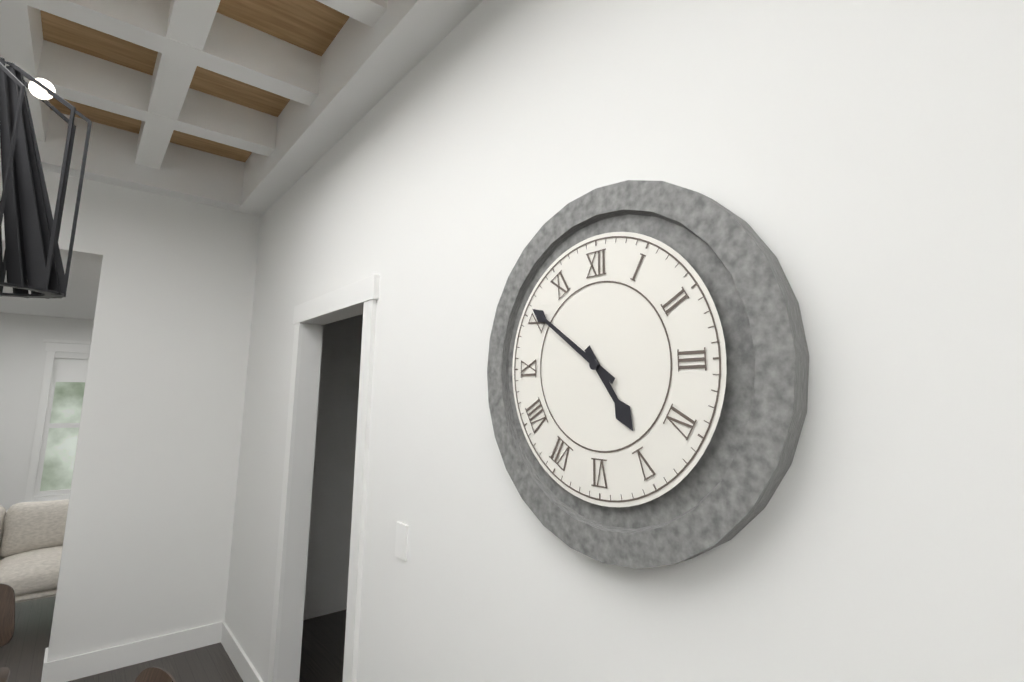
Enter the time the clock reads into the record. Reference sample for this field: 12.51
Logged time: 4.51
